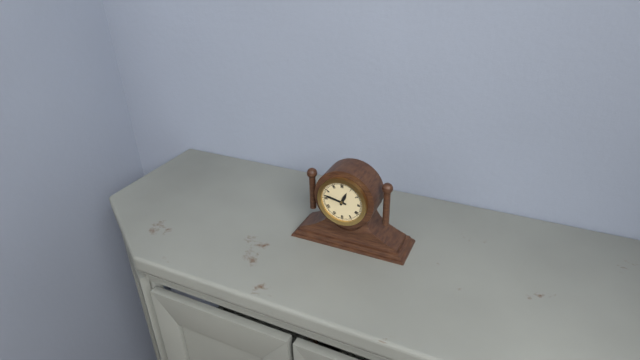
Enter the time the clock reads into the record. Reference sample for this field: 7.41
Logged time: 12.47
